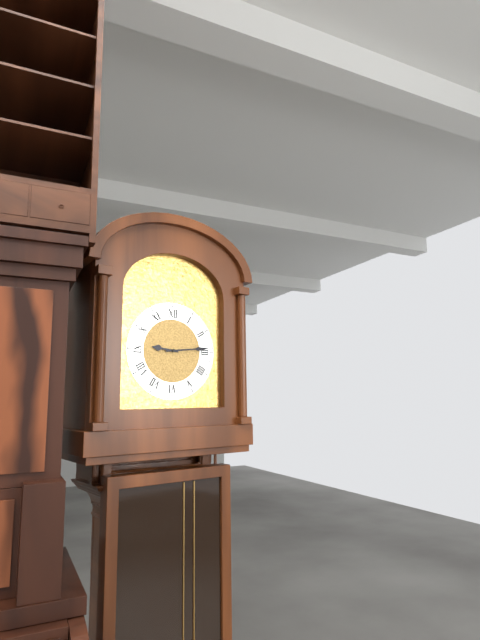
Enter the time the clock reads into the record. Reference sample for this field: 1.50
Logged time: 9.14
